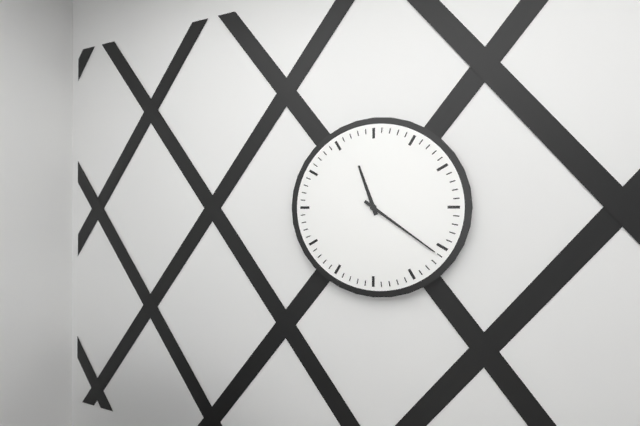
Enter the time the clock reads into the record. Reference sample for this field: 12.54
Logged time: 11.21
